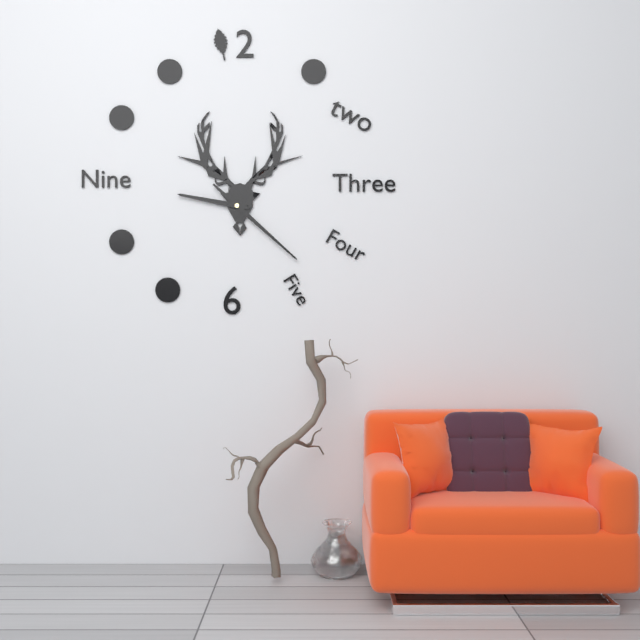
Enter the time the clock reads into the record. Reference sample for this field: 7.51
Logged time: 9.22
